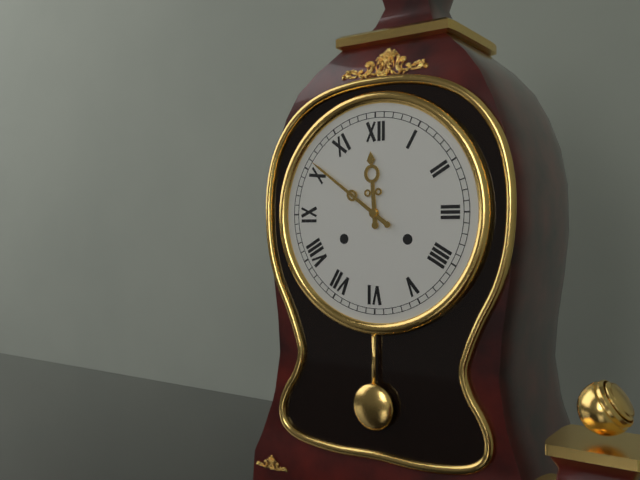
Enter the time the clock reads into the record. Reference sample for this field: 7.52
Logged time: 11.51
